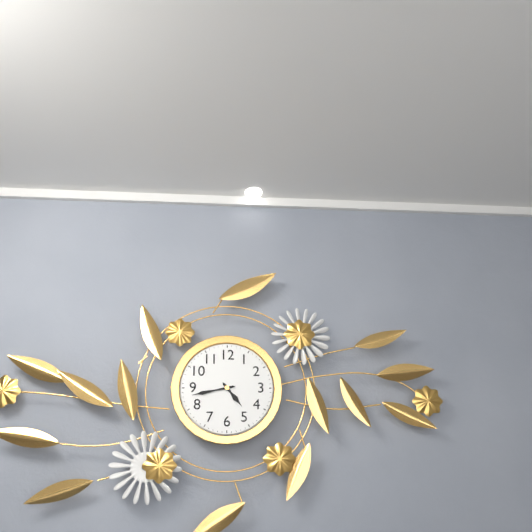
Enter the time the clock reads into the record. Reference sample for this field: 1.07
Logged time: 4.43
